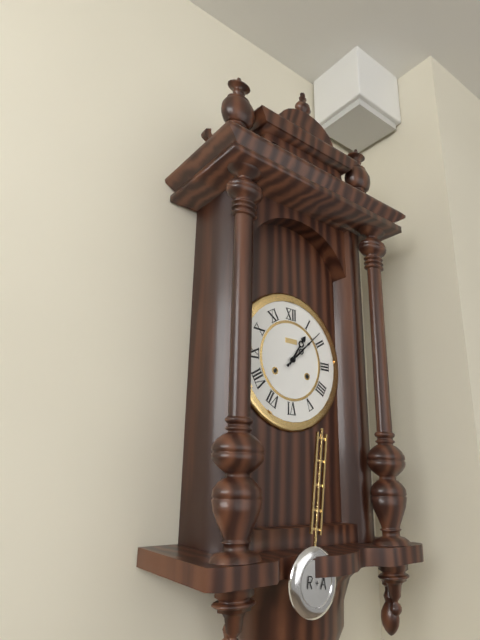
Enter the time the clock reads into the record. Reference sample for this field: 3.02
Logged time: 1.08
